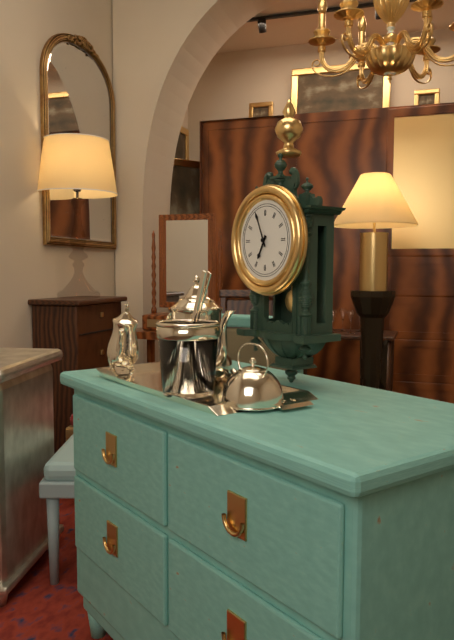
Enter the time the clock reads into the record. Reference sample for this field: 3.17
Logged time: 6.56
